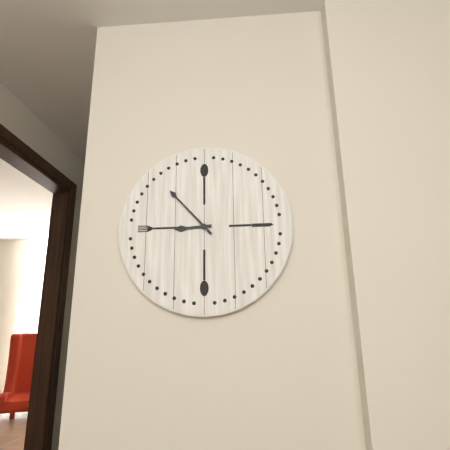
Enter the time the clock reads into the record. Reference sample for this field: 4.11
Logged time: 8.53
